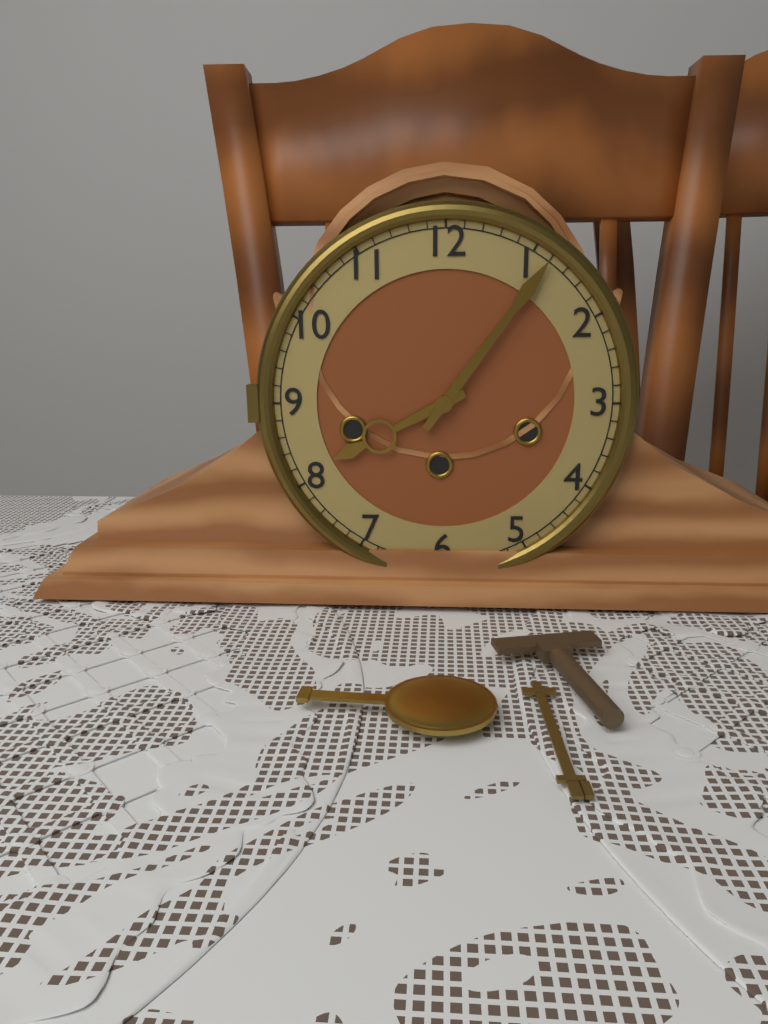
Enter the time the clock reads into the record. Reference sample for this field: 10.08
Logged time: 8.06
